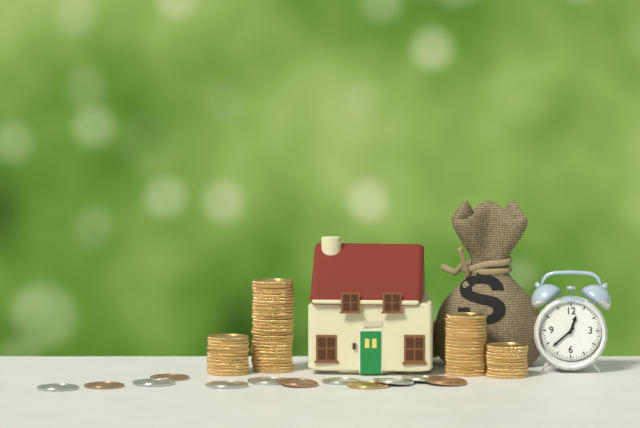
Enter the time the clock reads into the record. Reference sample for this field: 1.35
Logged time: 12.38
